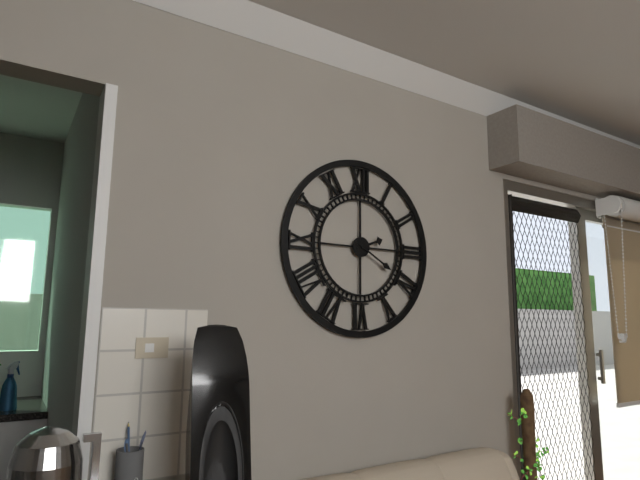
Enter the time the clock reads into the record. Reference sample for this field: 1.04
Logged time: 2.20
